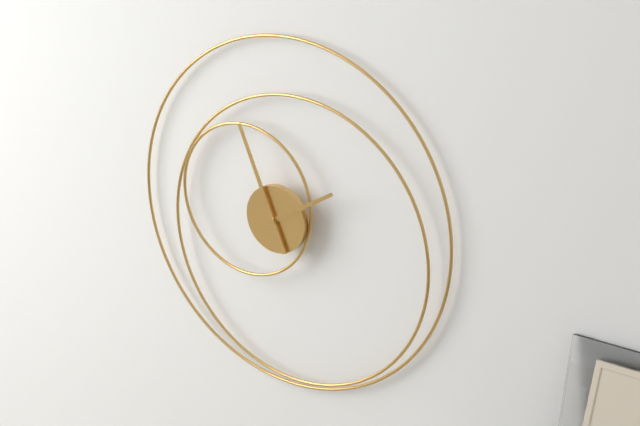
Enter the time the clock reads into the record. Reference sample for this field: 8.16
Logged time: 1.56
